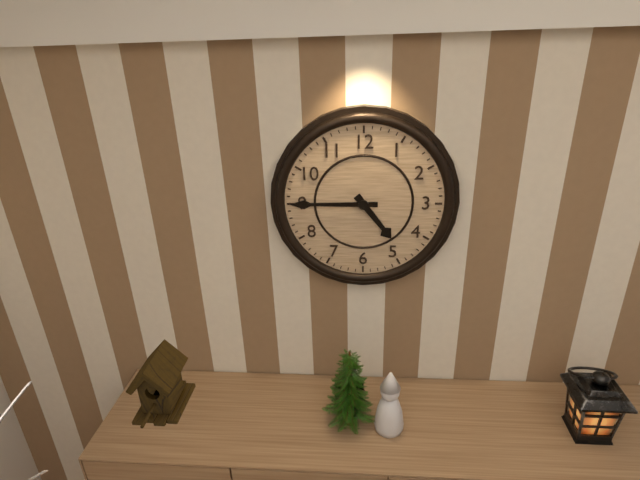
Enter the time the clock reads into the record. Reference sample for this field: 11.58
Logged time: 4.45
